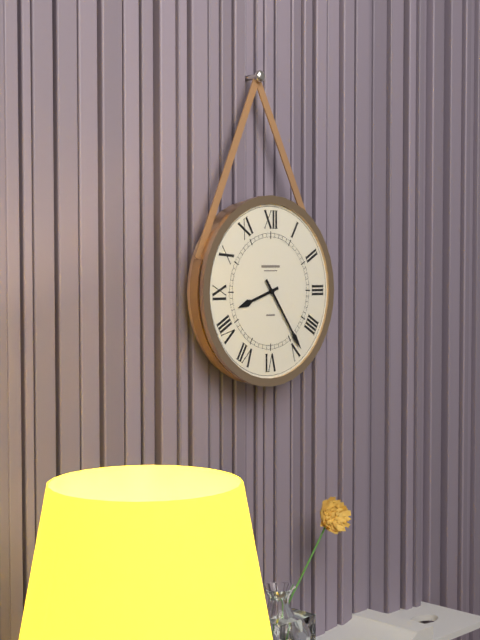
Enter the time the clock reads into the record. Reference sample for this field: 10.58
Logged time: 8.24
